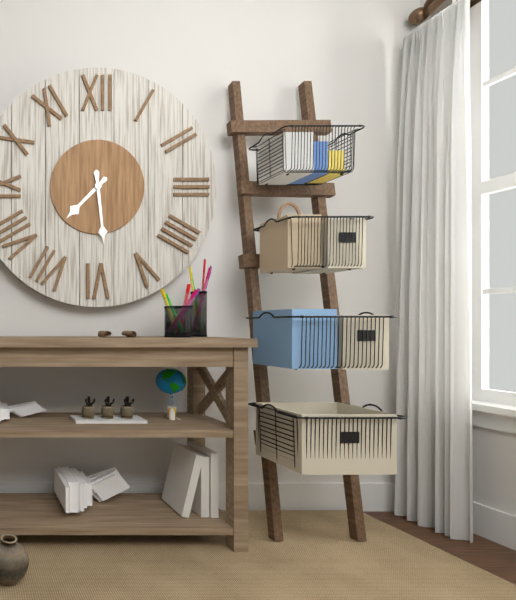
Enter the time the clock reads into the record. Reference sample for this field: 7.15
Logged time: 7.29
